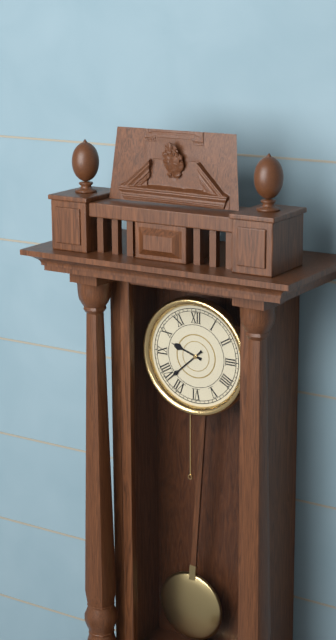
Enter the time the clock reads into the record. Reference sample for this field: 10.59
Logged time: 9.38
